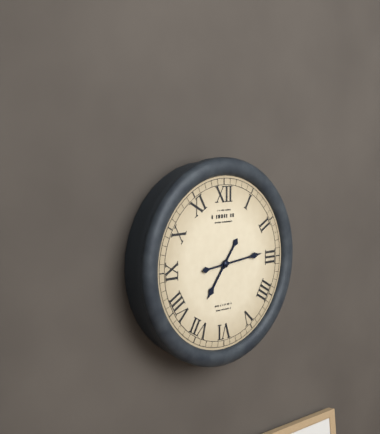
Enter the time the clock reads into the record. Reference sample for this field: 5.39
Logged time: 7.14
